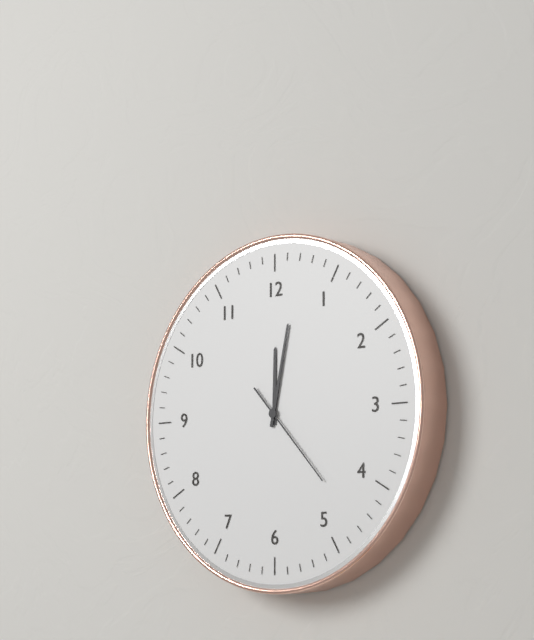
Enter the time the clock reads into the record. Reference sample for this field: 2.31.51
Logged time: 12.02.23
